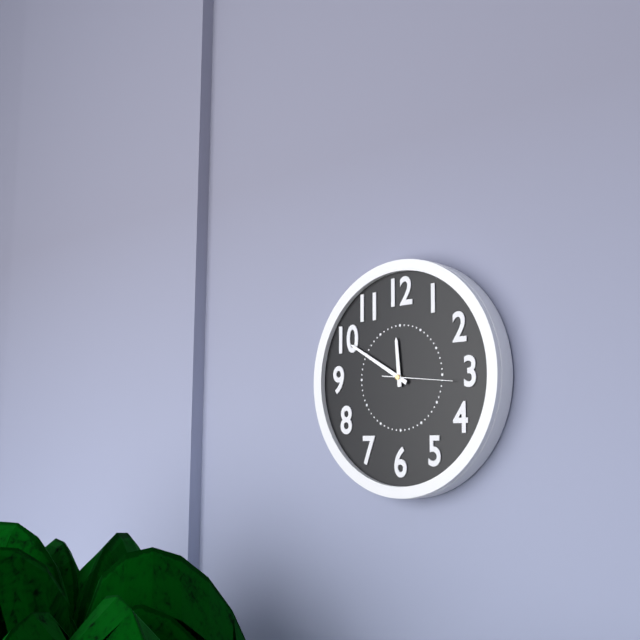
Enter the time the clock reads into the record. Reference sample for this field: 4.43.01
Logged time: 11.50.16
